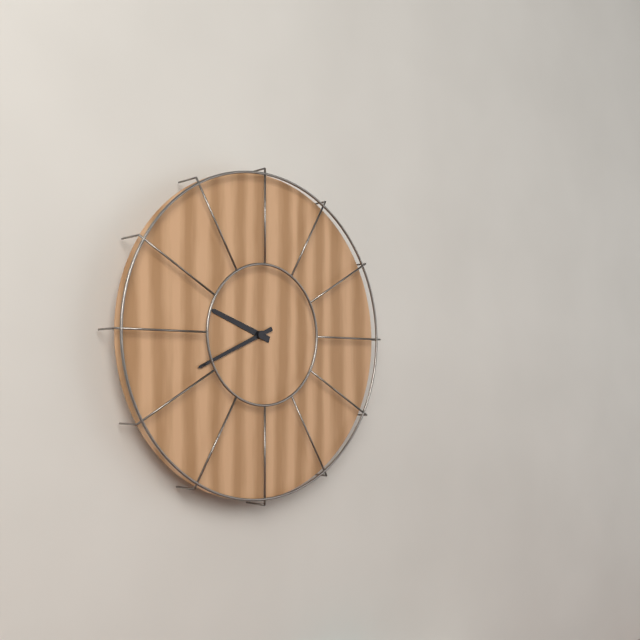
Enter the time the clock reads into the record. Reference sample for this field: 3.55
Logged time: 9.41
